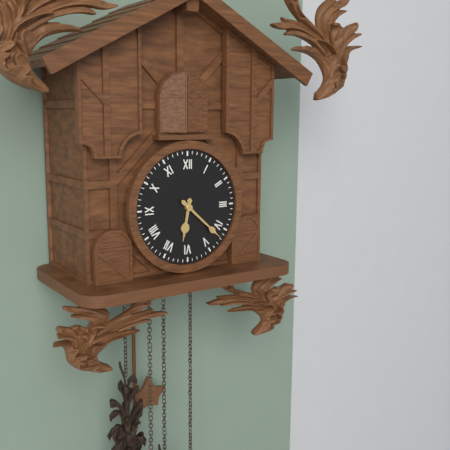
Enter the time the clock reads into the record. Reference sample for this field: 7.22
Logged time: 6.22
